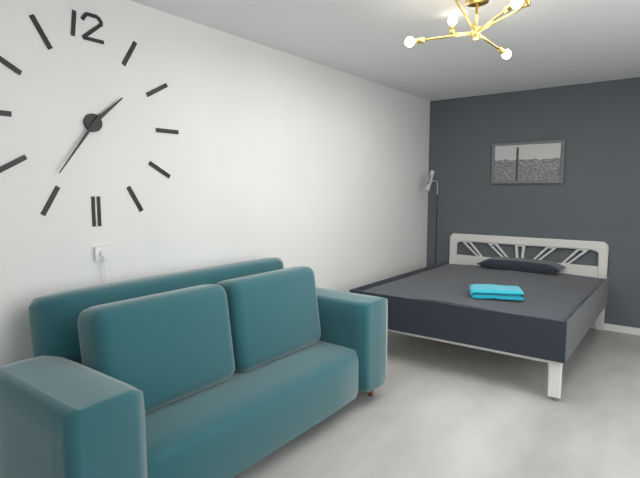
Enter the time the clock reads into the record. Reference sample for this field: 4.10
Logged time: 1.36
